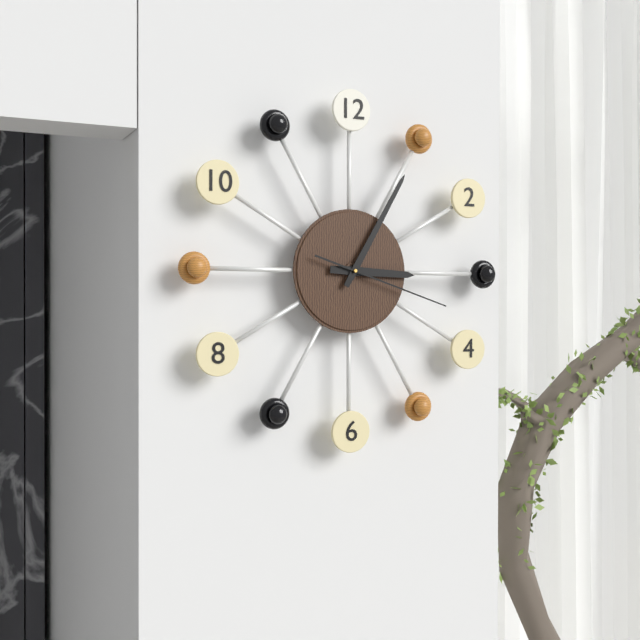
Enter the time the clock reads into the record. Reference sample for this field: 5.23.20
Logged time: 3.05.18
